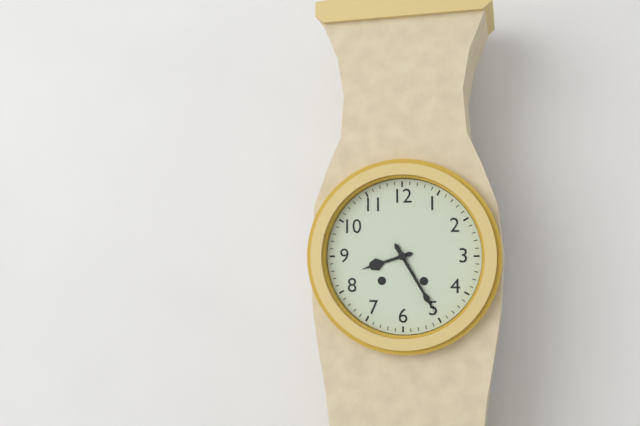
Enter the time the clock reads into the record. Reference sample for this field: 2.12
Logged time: 8.25
